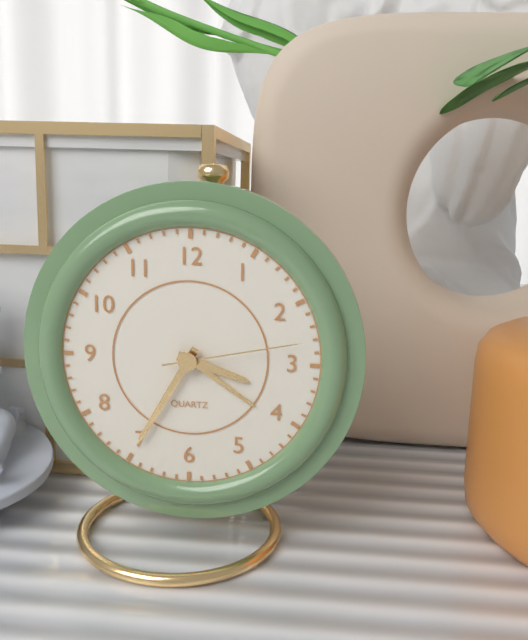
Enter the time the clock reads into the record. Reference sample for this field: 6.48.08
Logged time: 3.35.13
